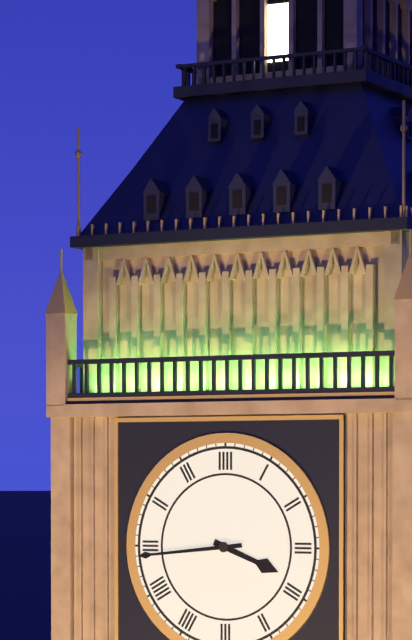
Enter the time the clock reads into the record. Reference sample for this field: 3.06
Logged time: 3.44
